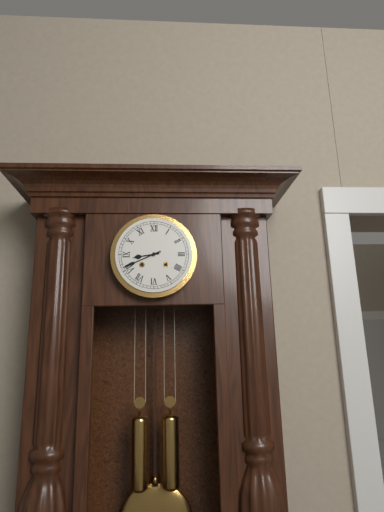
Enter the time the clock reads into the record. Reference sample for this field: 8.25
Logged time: 8.41
